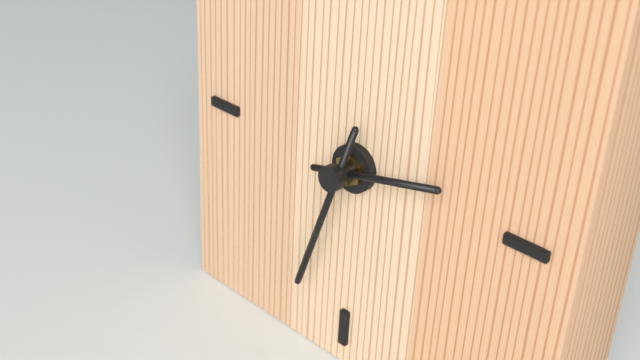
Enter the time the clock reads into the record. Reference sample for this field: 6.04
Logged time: 2.33
